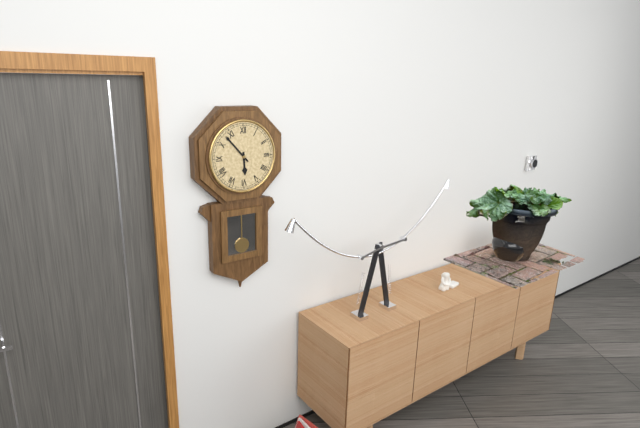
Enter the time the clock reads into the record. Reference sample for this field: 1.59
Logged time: 5.53
